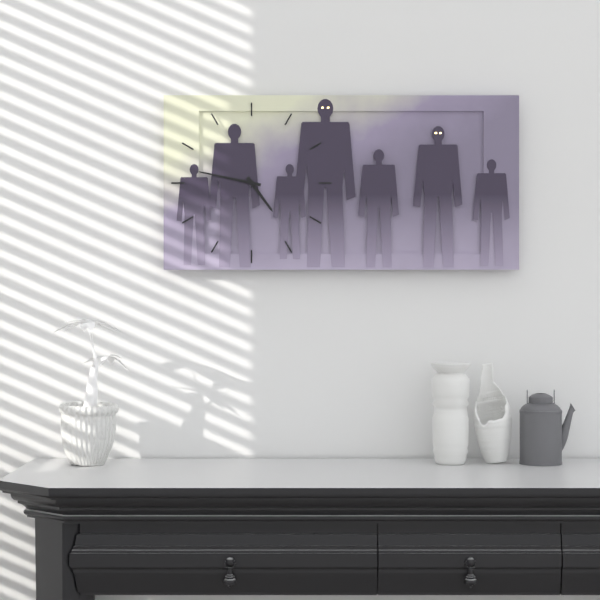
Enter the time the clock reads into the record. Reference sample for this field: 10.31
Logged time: 4.47
